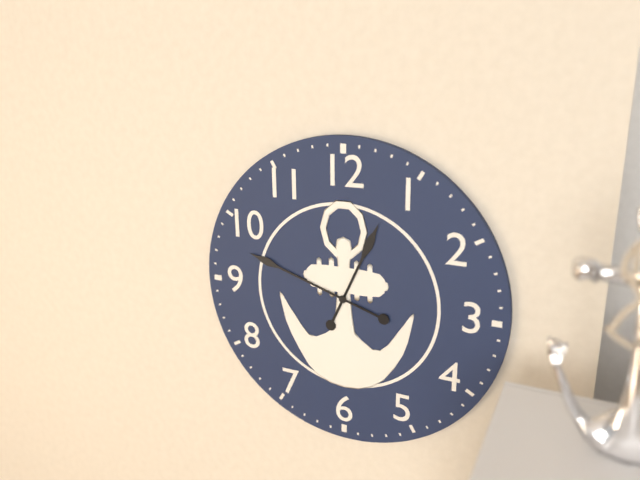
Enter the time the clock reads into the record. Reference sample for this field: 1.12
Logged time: 12.48
